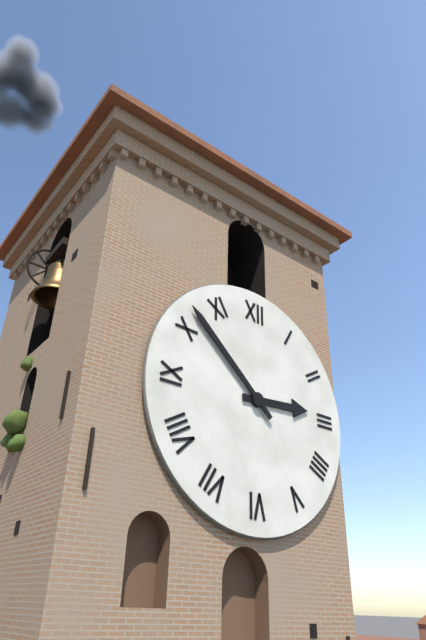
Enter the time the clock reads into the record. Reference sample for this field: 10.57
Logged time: 2.52
